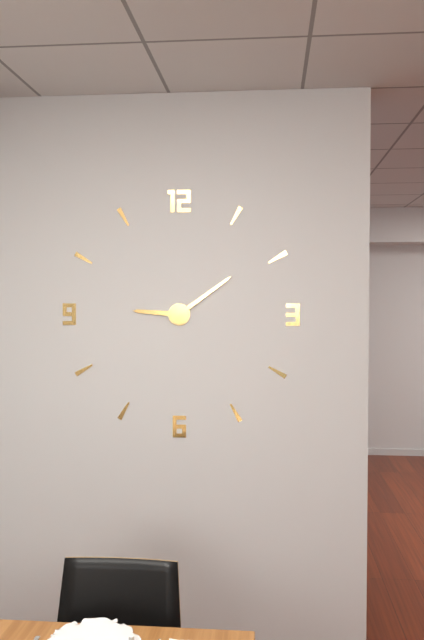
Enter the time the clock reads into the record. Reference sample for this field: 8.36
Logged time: 9.09
